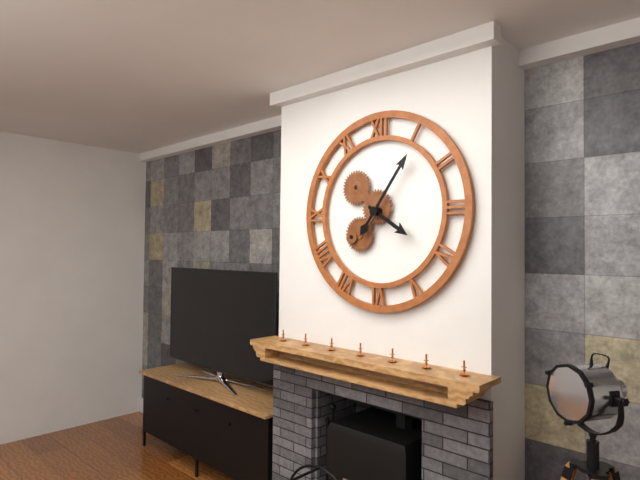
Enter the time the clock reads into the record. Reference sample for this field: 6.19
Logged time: 4.06
